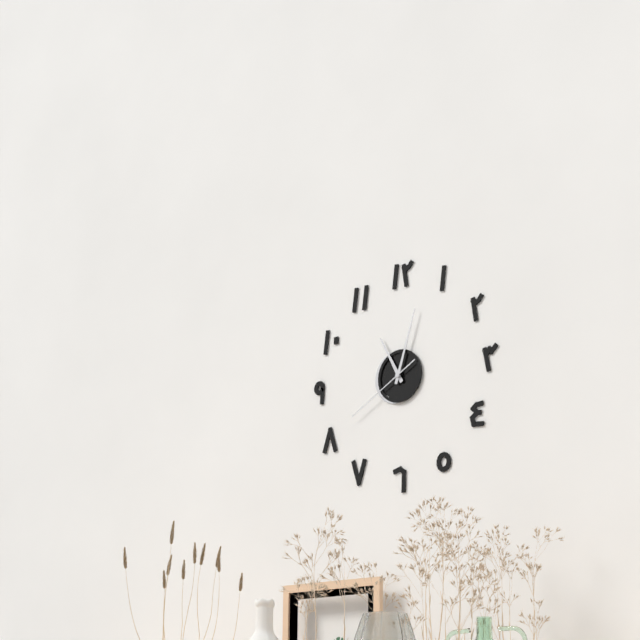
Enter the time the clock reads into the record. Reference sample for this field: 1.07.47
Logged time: 11.03.40
